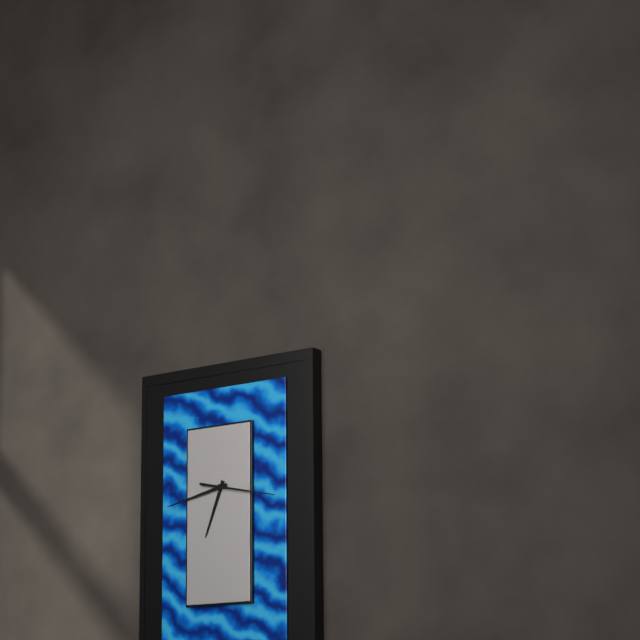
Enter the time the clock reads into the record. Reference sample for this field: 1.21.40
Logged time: 6.43.17
